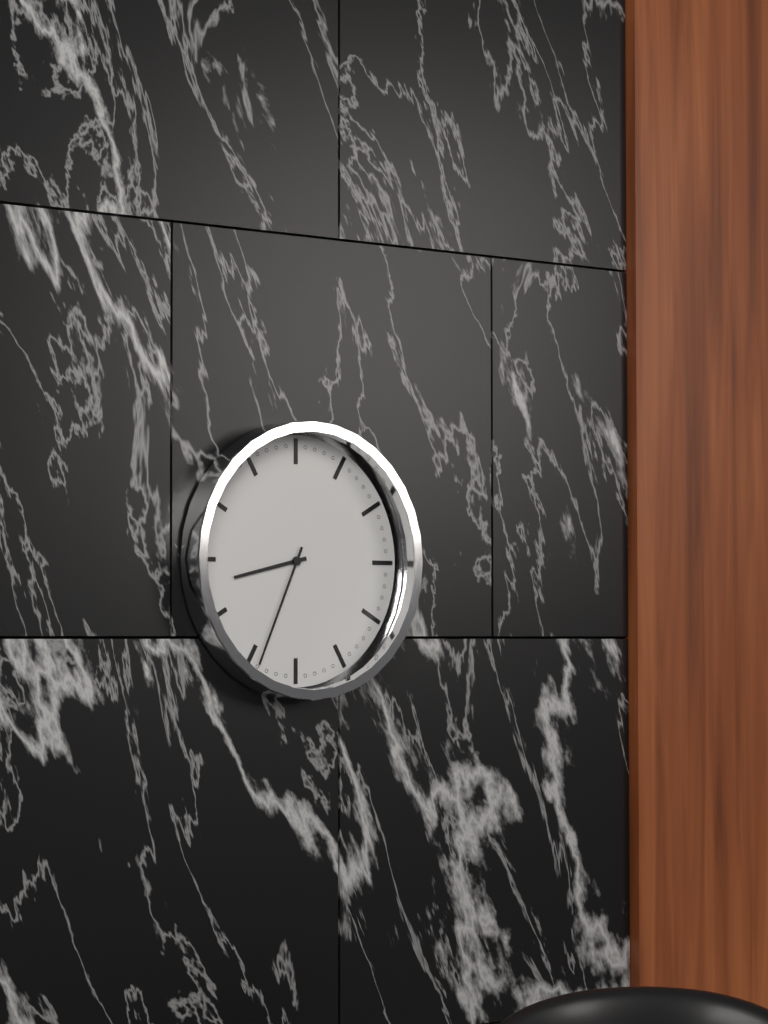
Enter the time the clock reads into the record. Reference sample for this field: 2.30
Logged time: 8.34
